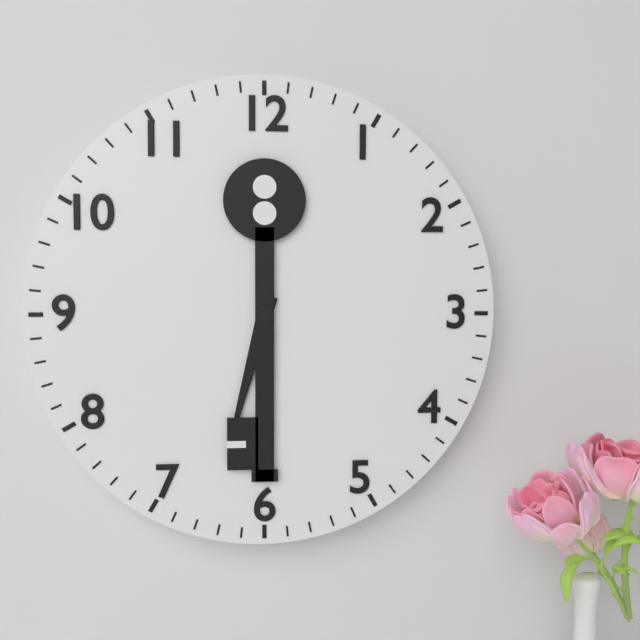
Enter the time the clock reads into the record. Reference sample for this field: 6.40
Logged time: 6.30
